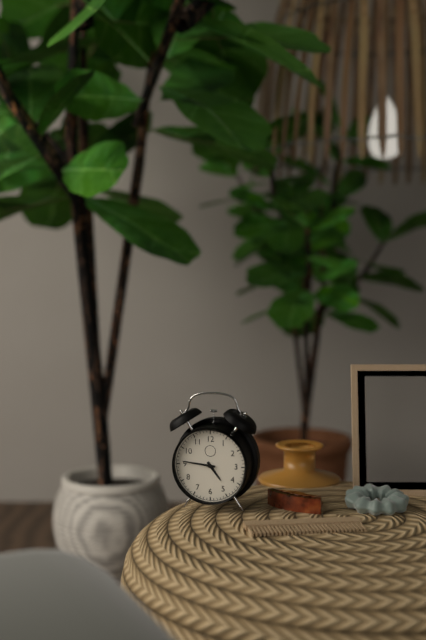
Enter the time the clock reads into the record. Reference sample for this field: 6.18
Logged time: 4.46
